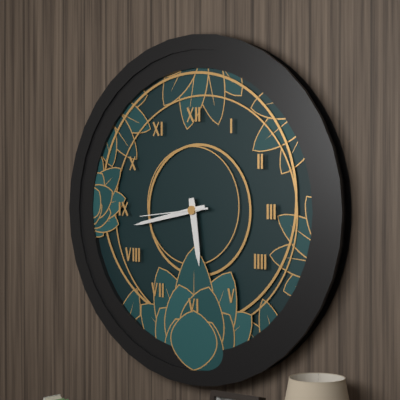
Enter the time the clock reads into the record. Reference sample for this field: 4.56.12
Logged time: 5.43.44
